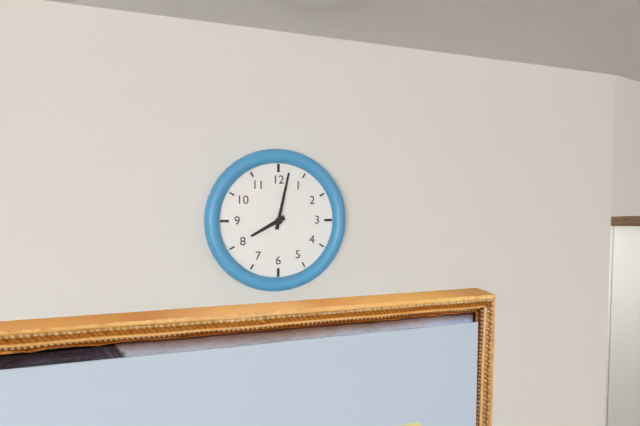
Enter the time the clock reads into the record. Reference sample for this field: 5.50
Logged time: 8.02
